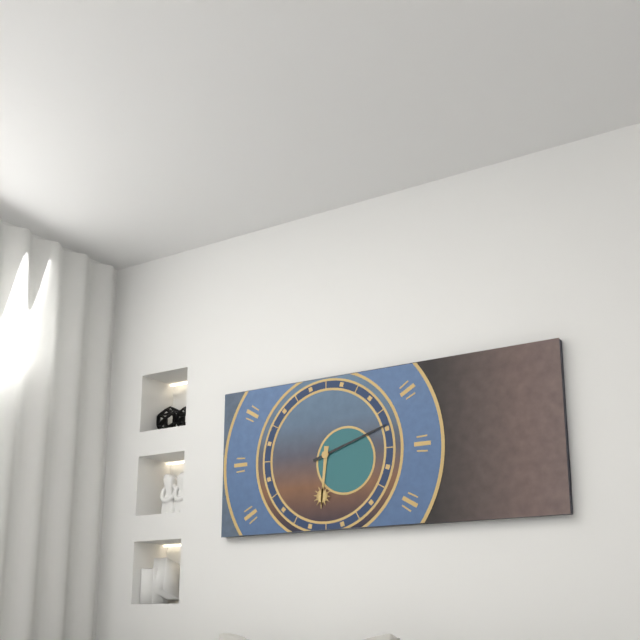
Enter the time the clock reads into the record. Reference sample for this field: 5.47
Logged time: 6.12
